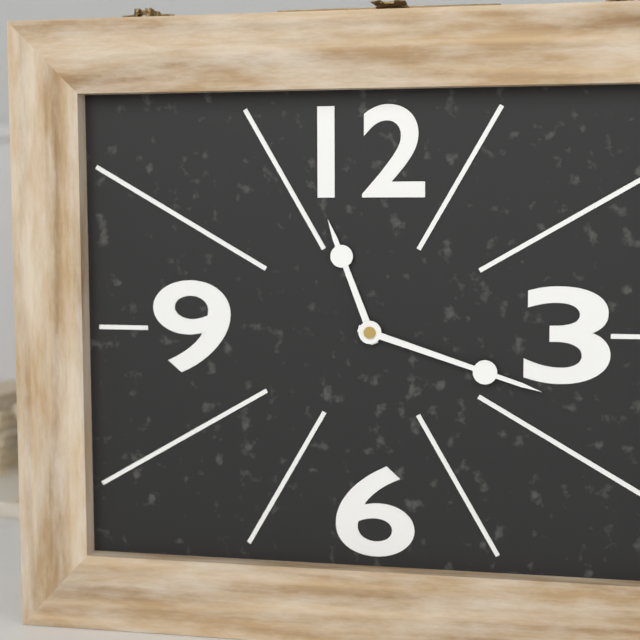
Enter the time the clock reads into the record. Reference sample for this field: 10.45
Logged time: 11.18
